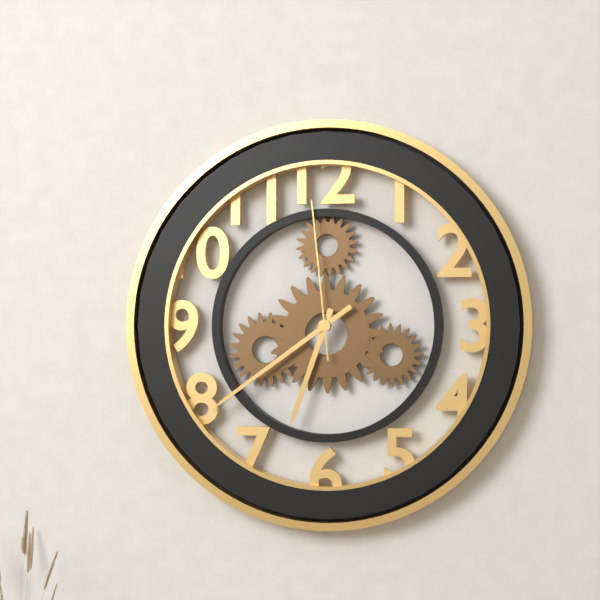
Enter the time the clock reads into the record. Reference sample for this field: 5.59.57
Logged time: 6.39.59
